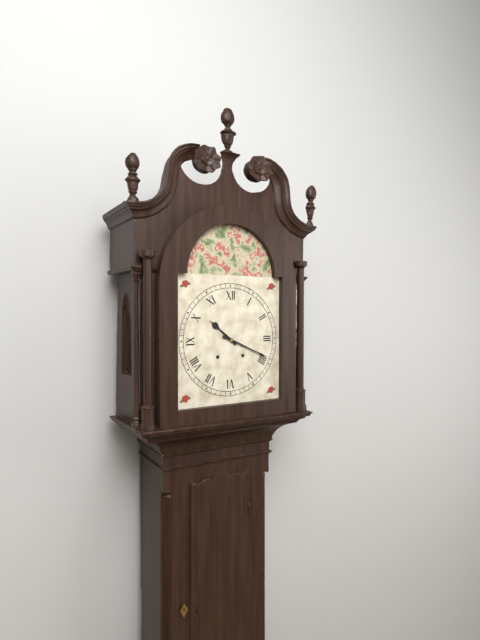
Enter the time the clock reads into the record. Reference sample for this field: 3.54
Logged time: 10.19
